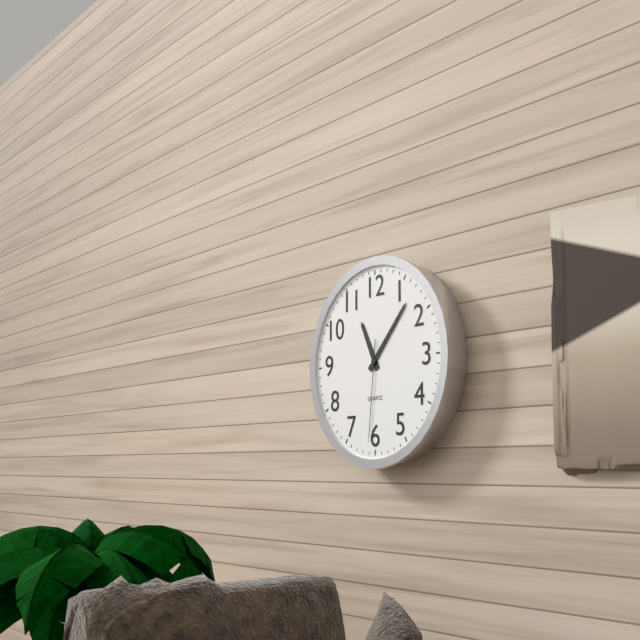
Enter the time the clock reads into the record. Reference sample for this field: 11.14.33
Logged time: 11.07.31
